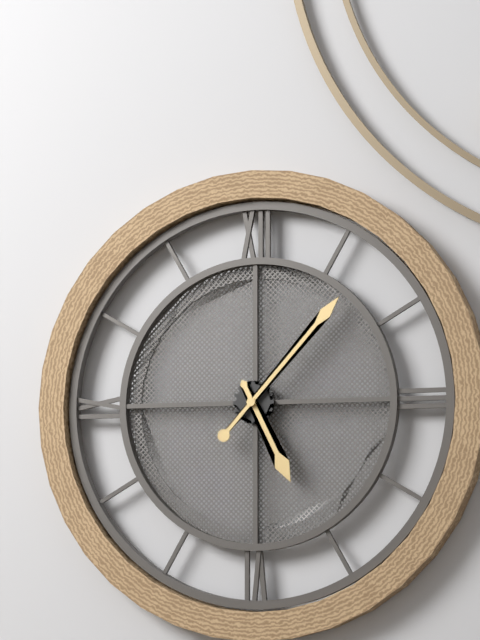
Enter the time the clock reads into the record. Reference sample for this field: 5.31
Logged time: 5.07
